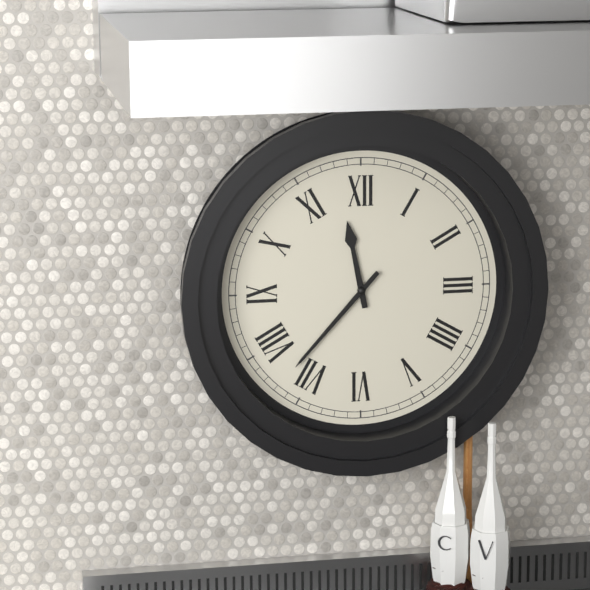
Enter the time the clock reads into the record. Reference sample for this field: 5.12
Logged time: 11.37
